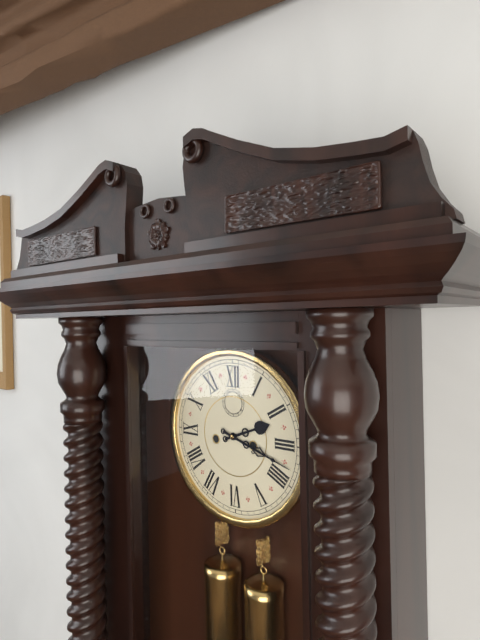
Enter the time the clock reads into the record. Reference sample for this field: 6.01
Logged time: 2.18
